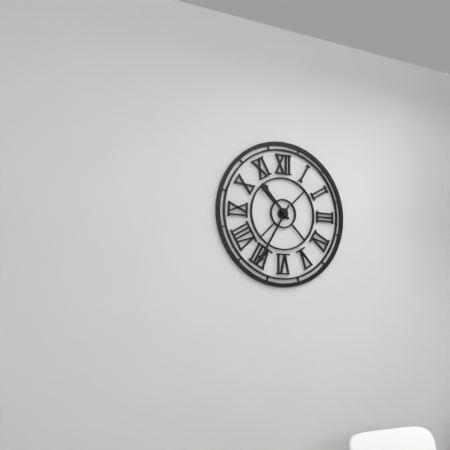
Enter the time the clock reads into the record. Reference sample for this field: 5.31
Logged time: 10.35
